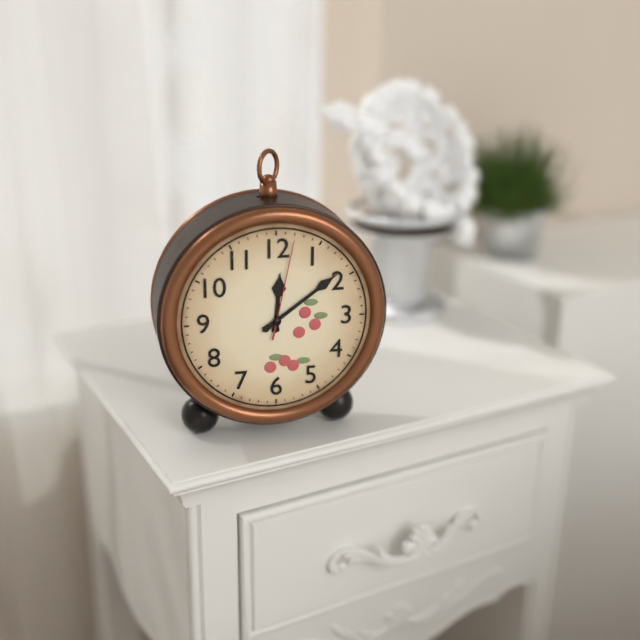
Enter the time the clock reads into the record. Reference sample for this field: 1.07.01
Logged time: 12.09.02
